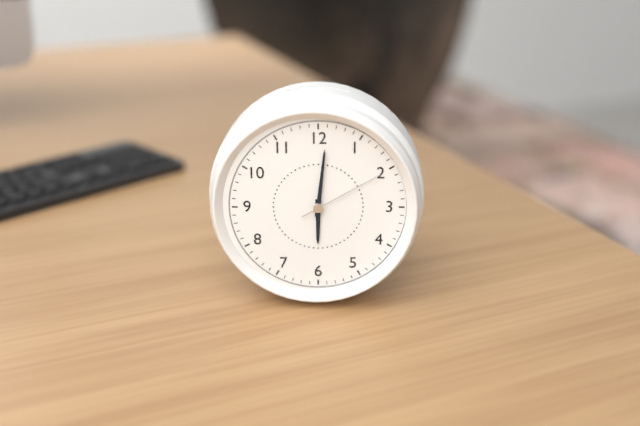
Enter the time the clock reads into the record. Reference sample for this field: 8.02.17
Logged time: 6.01.10
